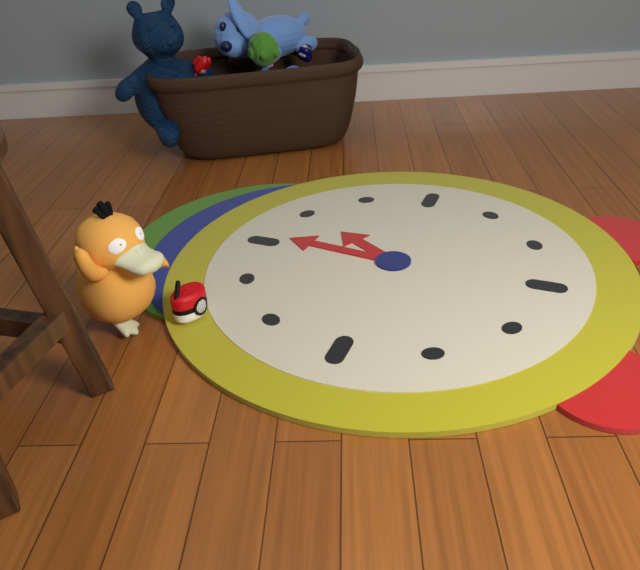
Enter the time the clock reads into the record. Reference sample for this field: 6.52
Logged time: 1.01
